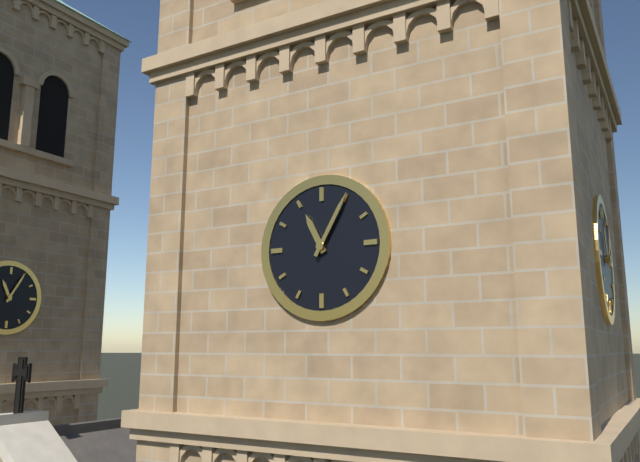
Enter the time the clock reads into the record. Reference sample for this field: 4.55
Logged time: 11.05
